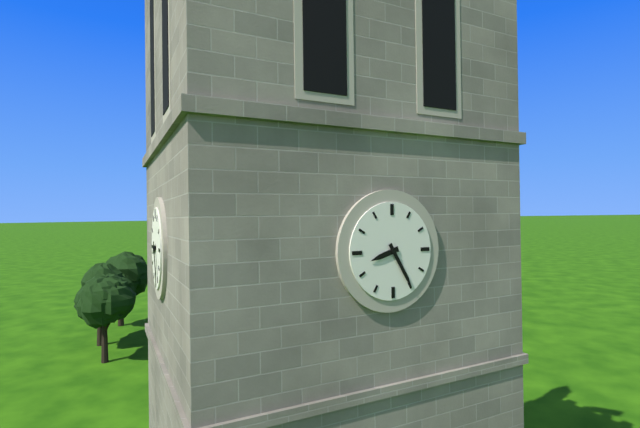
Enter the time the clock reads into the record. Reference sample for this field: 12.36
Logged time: 8.25
